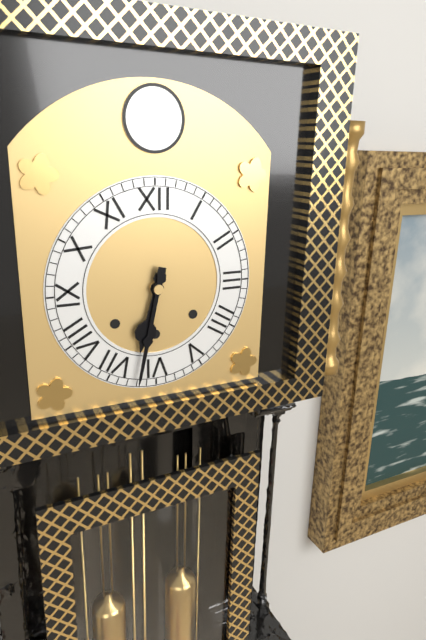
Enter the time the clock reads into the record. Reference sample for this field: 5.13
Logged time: 6.32
